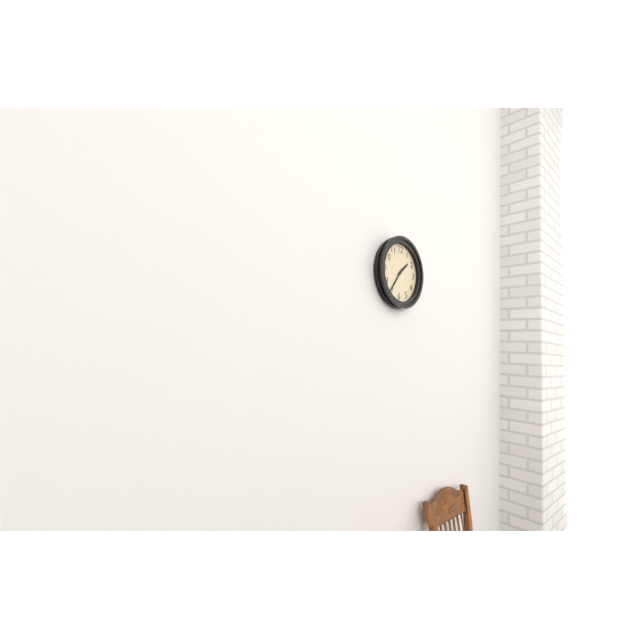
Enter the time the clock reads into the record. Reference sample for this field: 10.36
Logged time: 1.36
